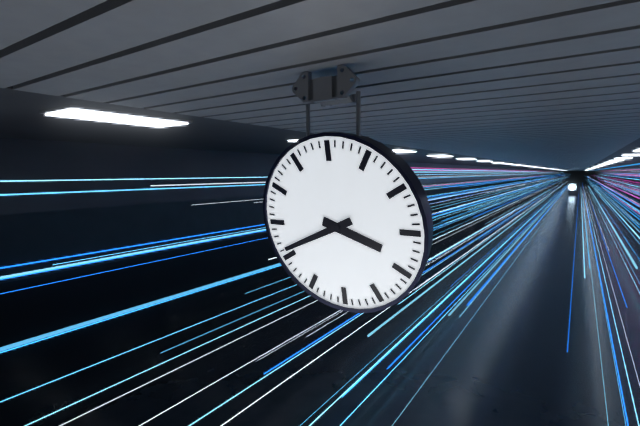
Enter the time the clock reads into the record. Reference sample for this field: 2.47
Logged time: 3.41
